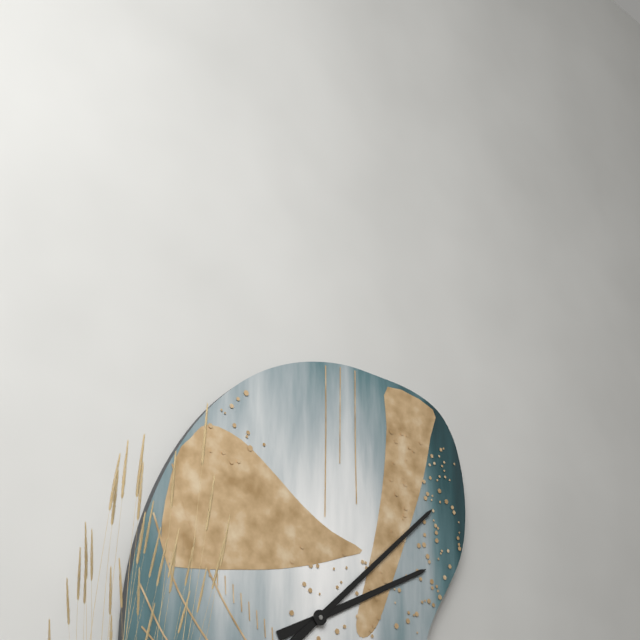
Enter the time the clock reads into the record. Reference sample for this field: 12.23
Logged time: 2.08
